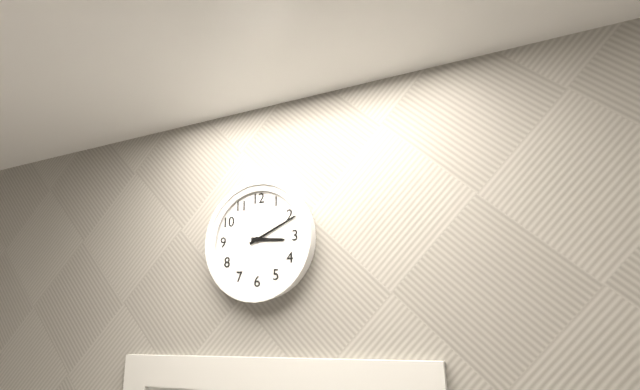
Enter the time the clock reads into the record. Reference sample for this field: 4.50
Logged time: 3.11
